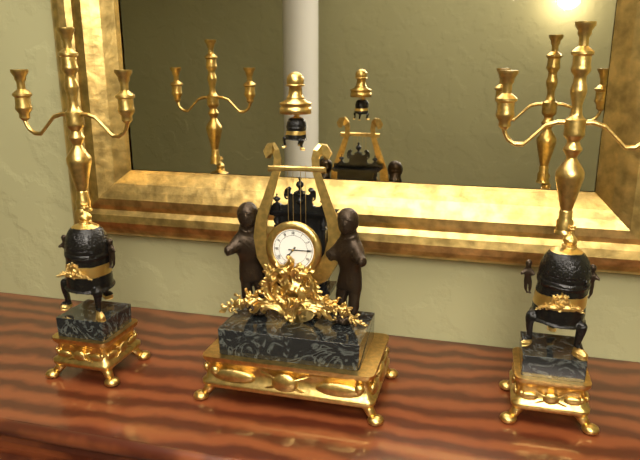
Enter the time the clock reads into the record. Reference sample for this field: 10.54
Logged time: 7.15
